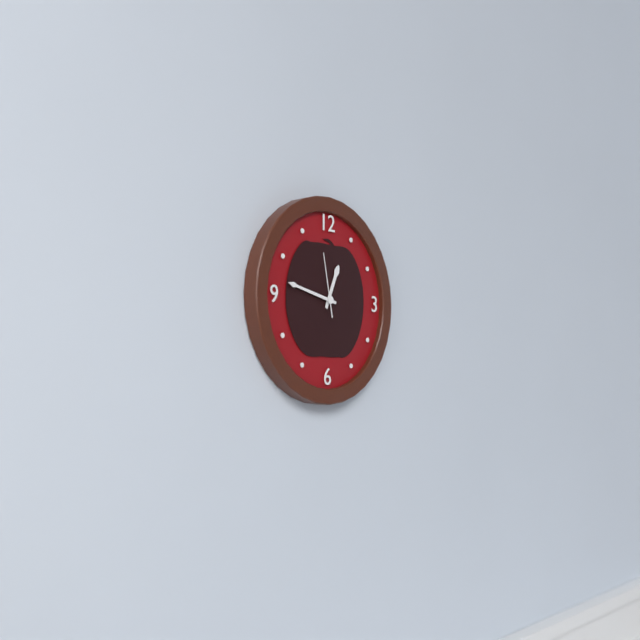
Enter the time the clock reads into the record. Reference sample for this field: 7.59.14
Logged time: 12.47.58
